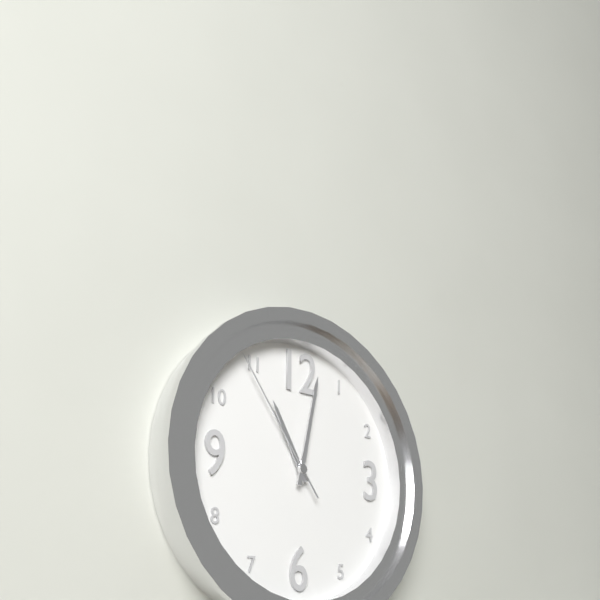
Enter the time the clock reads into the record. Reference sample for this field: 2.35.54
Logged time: 11.02.54
